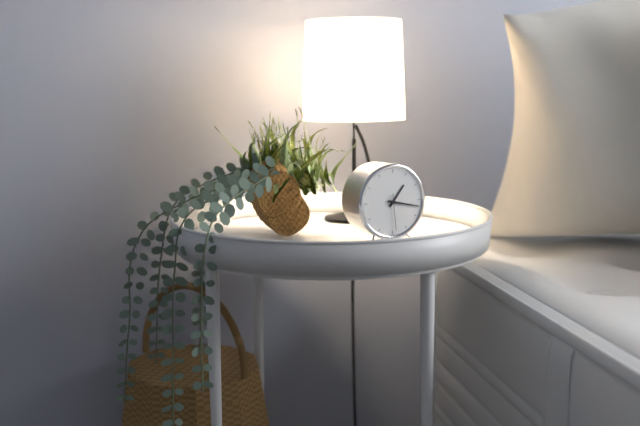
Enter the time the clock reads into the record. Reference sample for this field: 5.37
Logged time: 1.17
